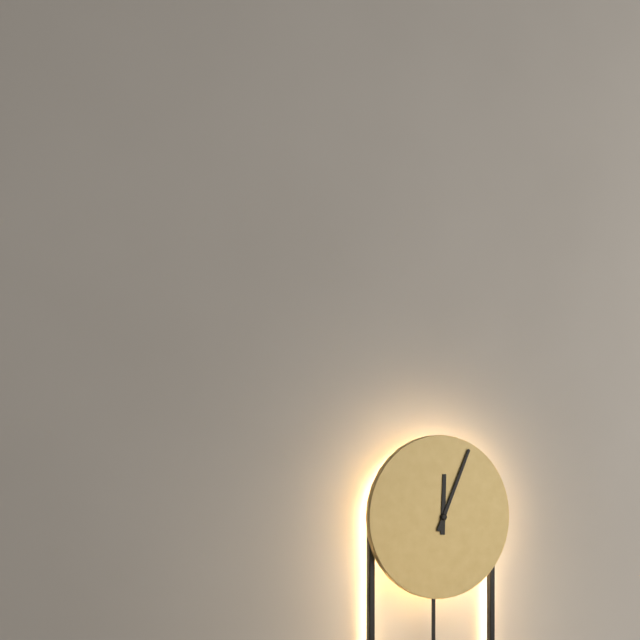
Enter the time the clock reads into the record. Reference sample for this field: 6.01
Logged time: 12.04
